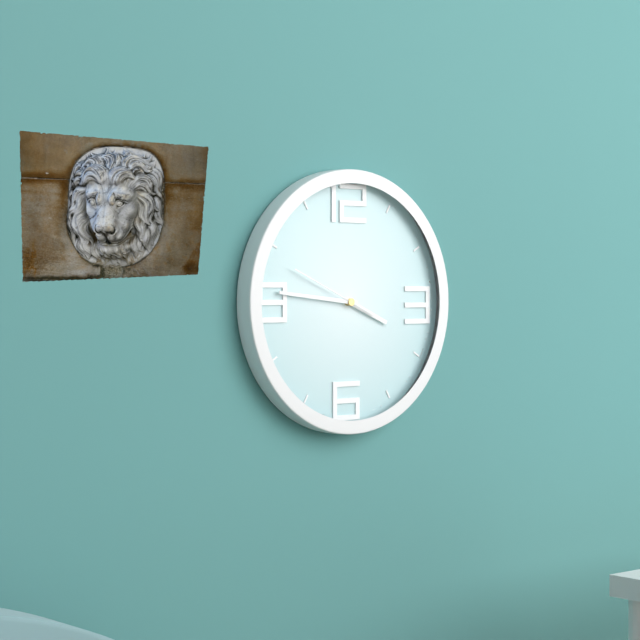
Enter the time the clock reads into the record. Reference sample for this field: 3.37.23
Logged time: 3.46.49
